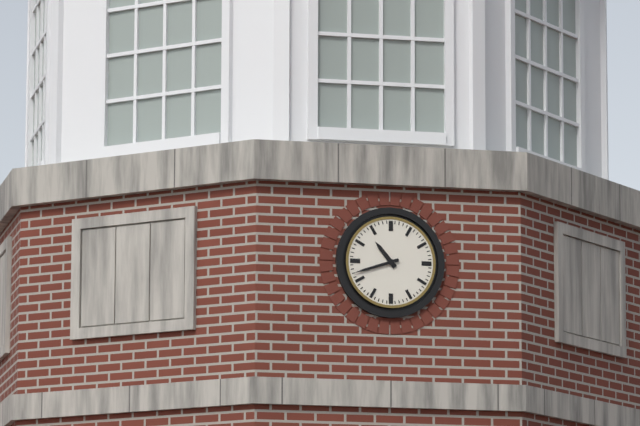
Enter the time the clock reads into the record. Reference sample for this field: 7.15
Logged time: 10.42
